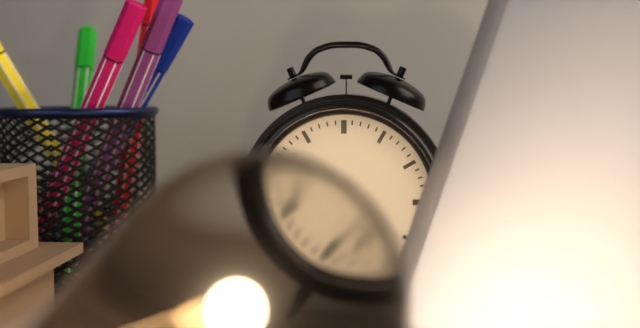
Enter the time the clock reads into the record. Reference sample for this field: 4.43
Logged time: 7.33
